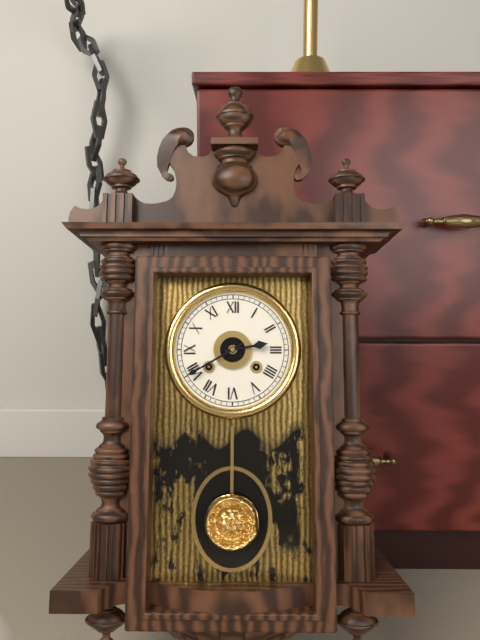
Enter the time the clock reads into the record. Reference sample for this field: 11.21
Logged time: 2.40
